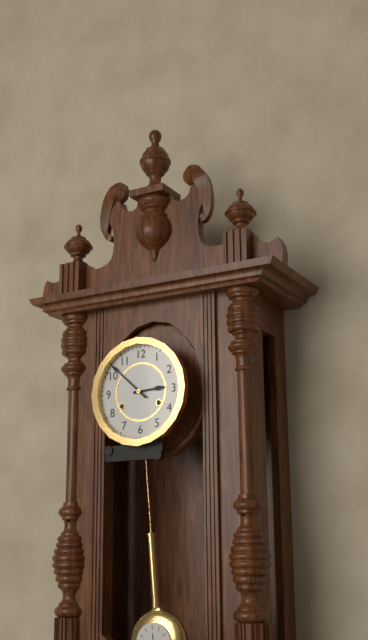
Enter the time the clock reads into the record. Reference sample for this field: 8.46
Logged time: 2.52
